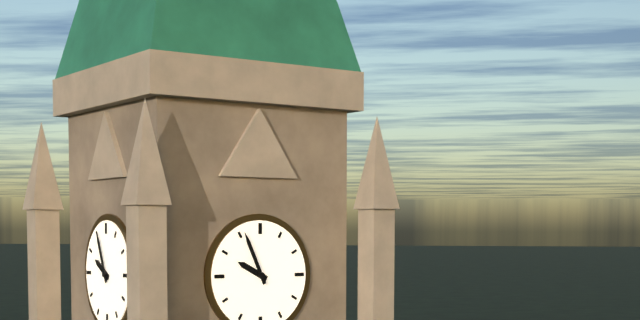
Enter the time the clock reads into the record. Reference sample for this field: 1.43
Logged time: 9.56
